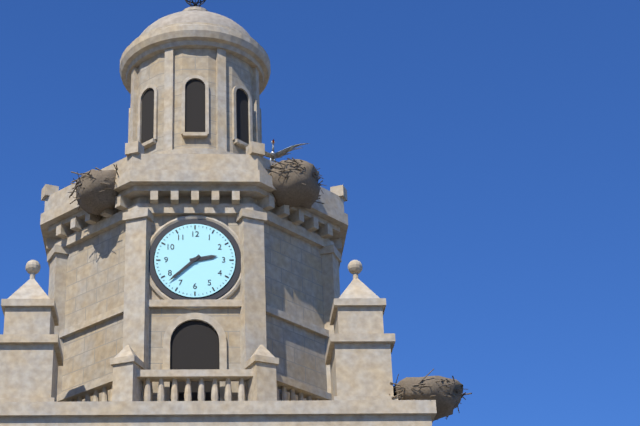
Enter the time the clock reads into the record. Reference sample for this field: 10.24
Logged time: 2.38
